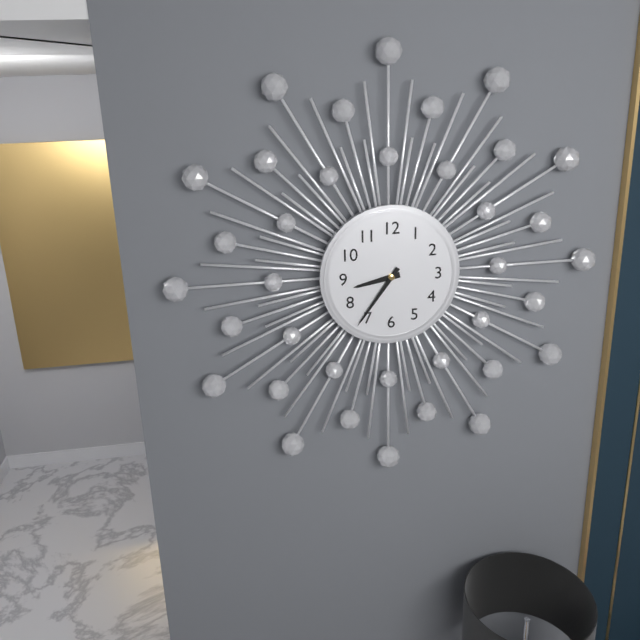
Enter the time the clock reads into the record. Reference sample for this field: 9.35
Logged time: 8.36
